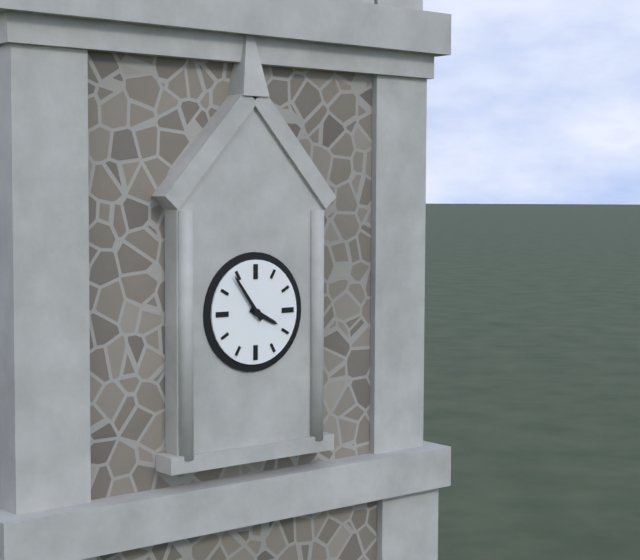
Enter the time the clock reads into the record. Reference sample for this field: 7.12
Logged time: 3.54
